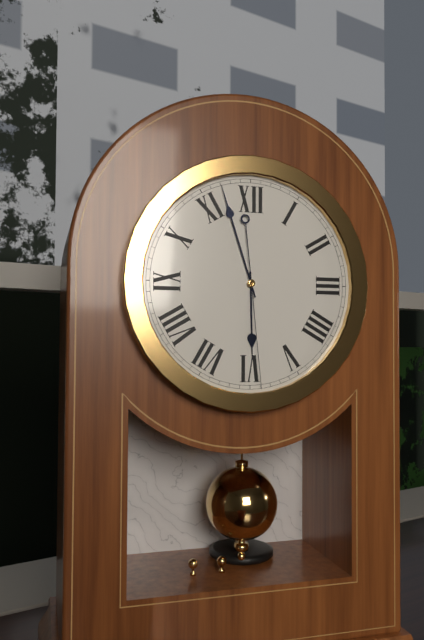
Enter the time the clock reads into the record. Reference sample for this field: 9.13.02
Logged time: 5.57.29
